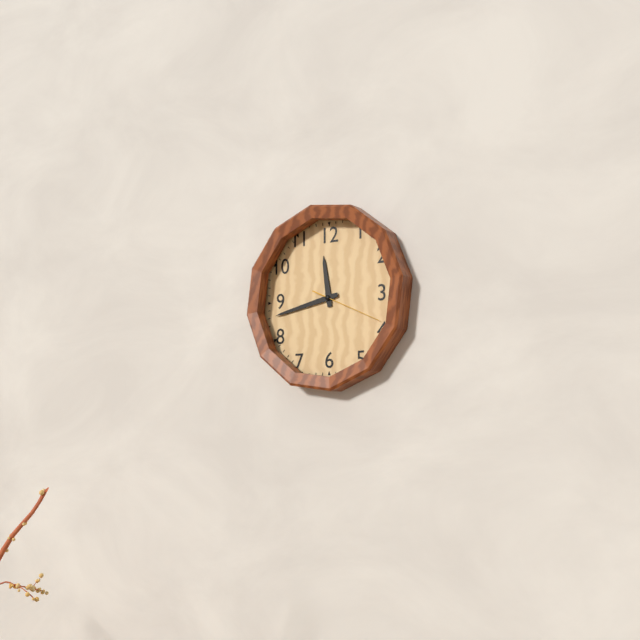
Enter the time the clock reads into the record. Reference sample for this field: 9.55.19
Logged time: 11.43.19
